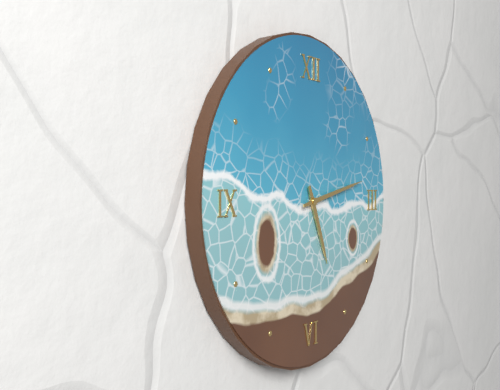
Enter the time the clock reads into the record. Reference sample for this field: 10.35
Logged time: 5.13
